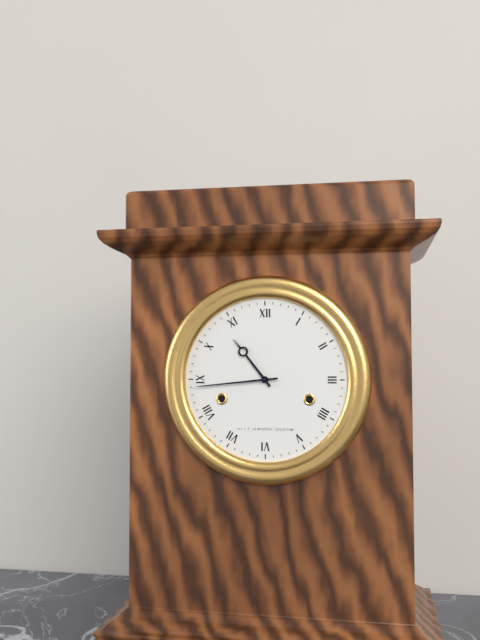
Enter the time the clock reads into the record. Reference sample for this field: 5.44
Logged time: 10.44
